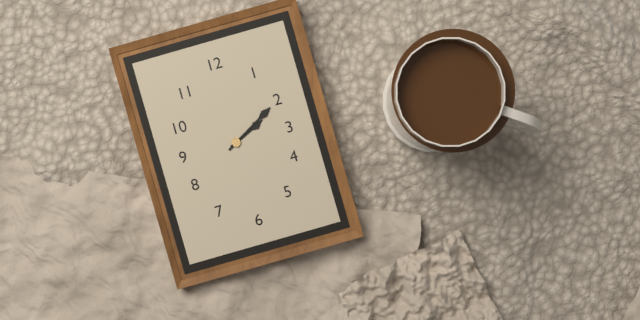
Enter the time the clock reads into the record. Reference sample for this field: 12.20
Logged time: 2.10
